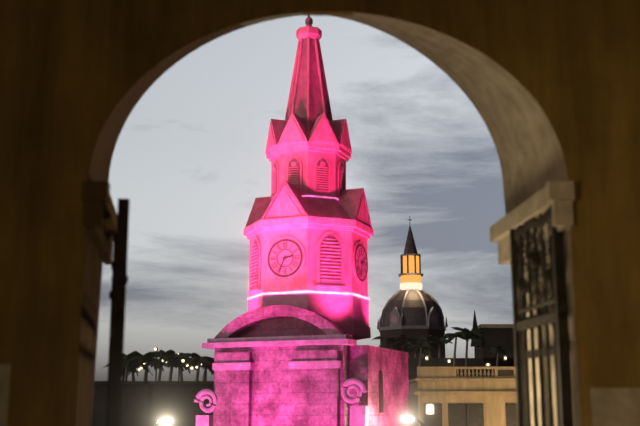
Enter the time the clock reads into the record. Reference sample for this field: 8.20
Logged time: 2.34
